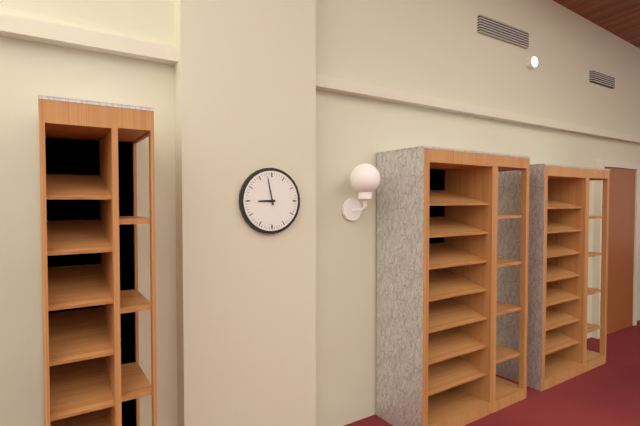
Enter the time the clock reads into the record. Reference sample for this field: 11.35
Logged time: 8.58
